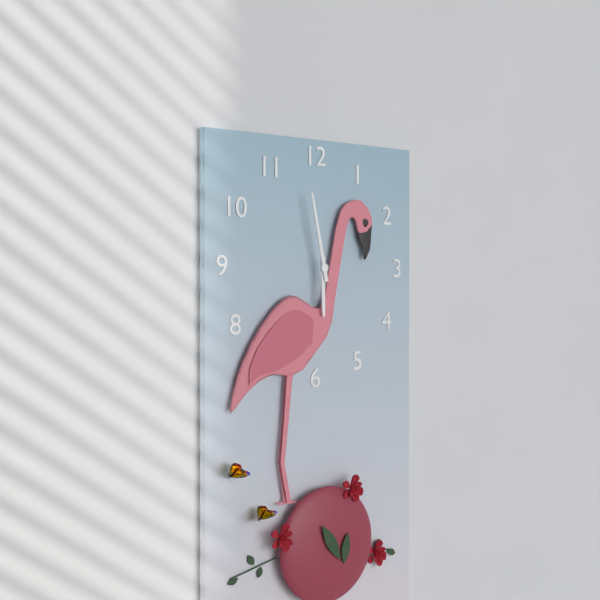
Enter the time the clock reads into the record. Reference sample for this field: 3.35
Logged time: 5.58
